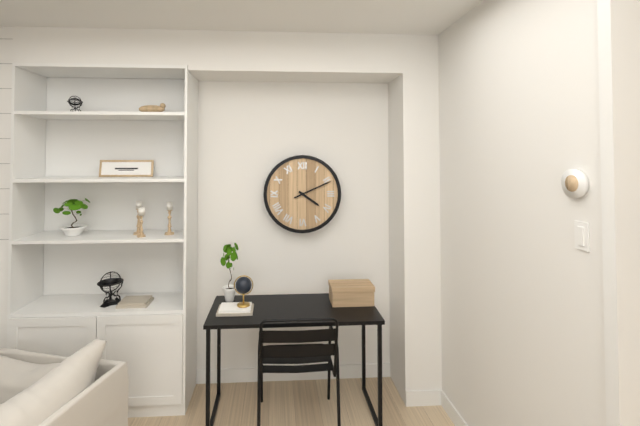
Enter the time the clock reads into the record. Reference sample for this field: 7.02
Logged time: 4.11
